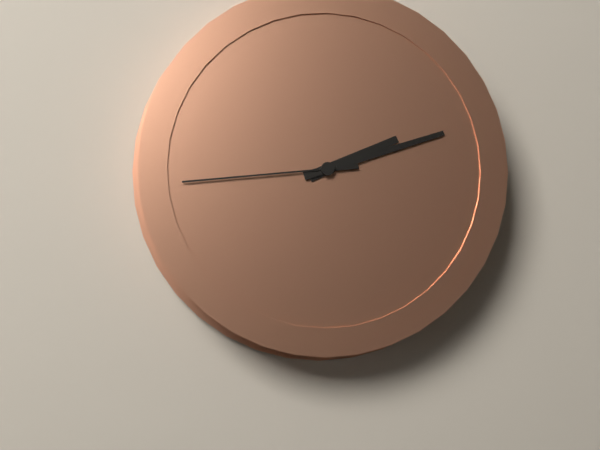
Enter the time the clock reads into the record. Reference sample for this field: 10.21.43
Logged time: 2.12.44
